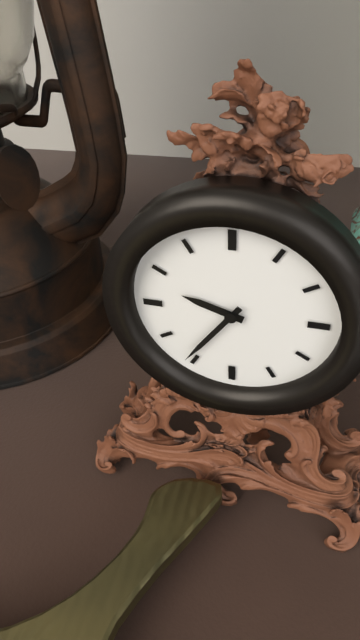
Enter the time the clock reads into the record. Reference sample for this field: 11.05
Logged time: 9.36
